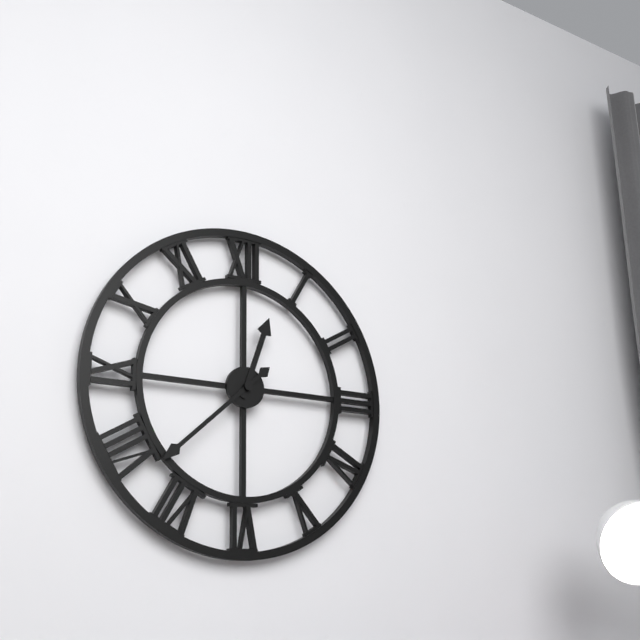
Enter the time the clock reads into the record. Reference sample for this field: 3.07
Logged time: 12.38
